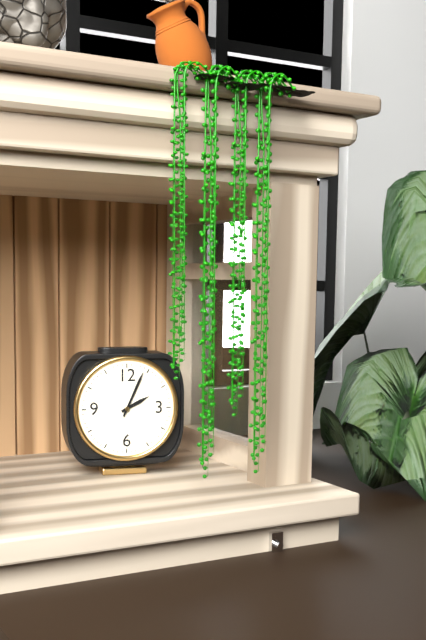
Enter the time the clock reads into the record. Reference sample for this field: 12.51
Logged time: 2.04
